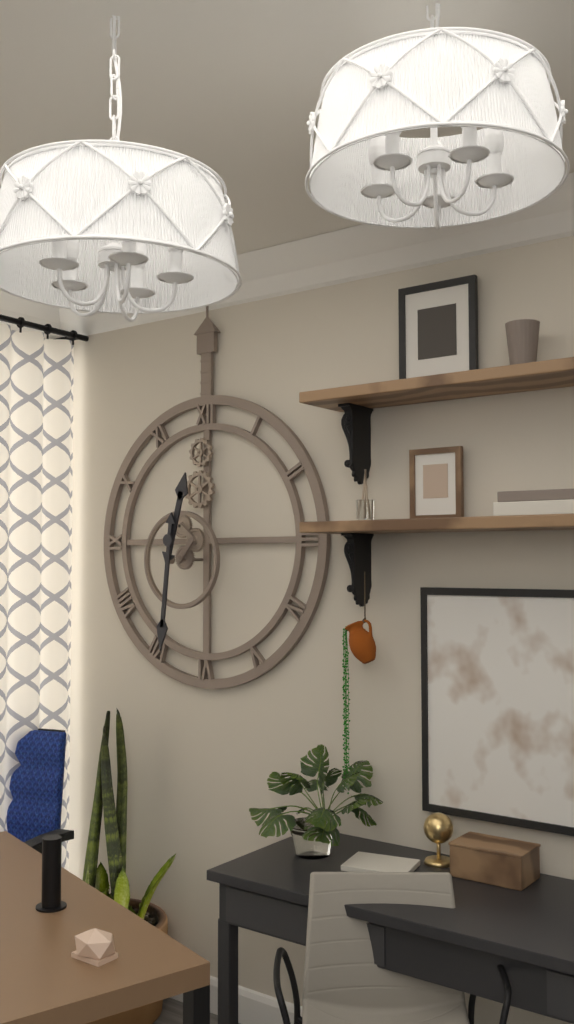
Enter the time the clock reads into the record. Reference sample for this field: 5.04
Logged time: 12.31
